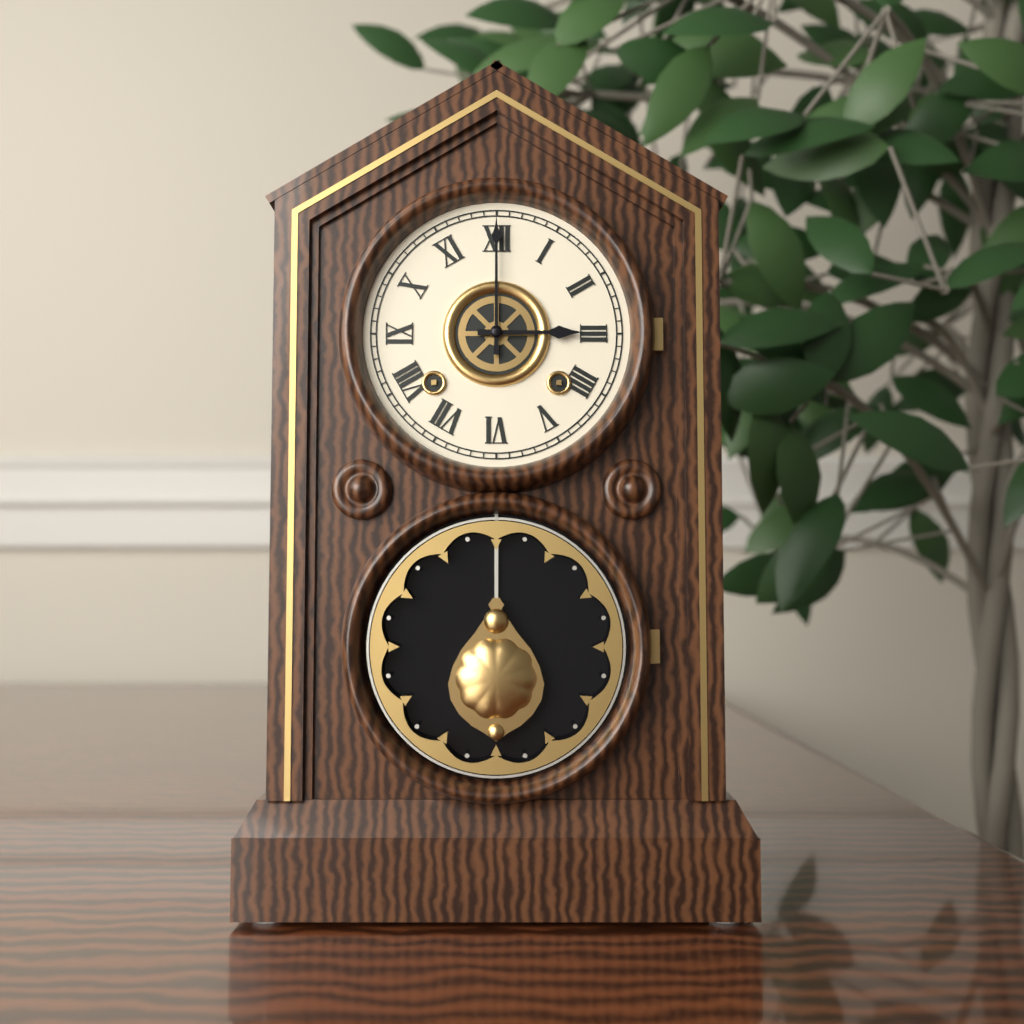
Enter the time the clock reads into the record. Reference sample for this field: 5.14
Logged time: 3.00
